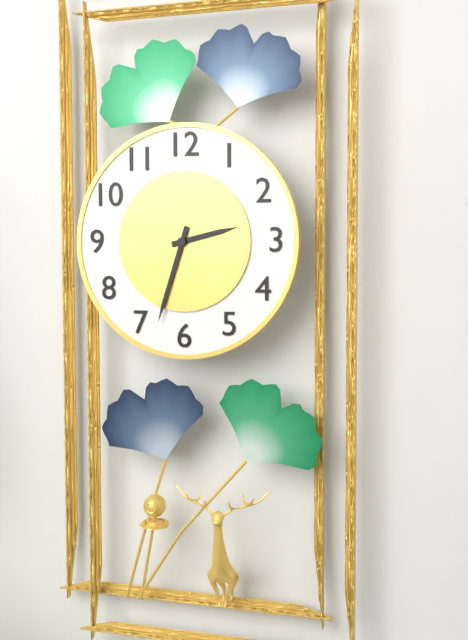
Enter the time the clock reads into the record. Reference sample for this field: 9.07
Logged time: 2.33
